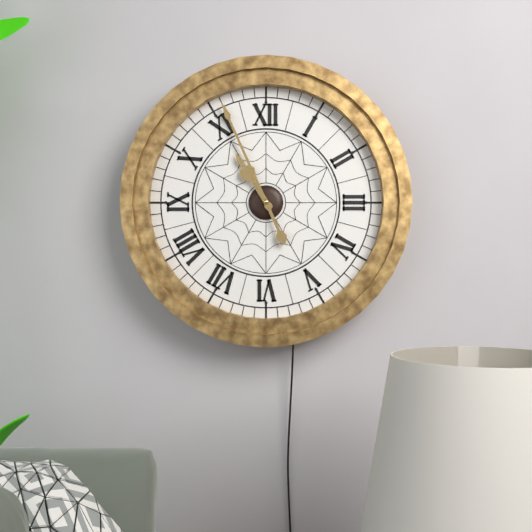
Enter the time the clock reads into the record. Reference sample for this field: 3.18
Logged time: 10.56
